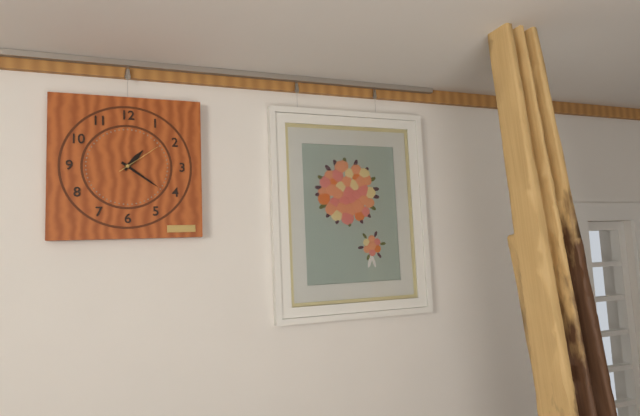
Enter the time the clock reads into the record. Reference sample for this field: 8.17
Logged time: 1.21
